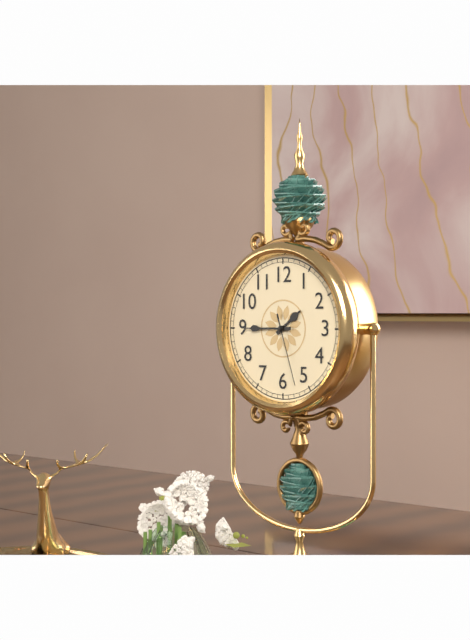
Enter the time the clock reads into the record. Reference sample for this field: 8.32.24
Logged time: 1.45.27
